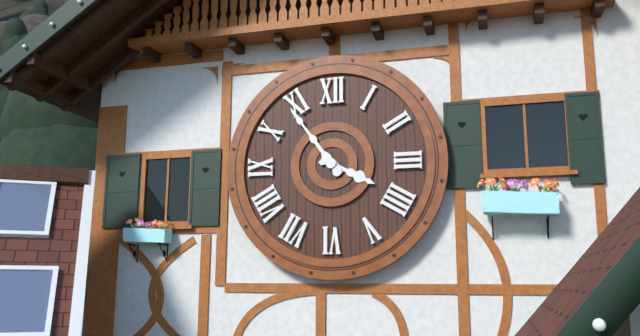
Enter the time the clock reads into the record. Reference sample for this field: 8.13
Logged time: 3.54
